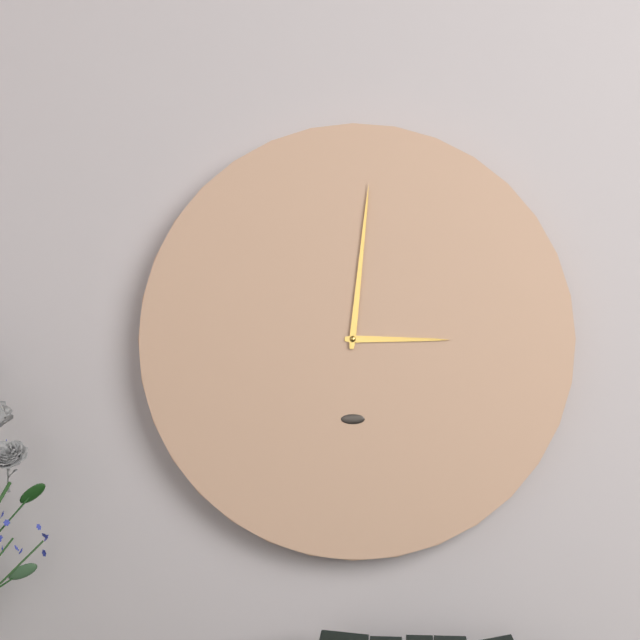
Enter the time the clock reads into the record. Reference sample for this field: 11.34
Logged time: 3.01
